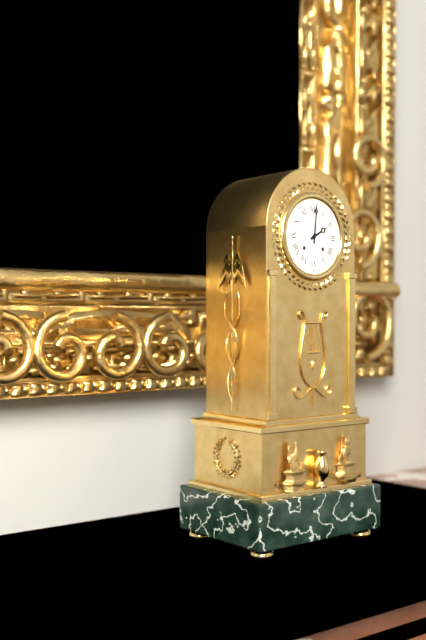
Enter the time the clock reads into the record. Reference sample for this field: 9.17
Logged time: 2.01
